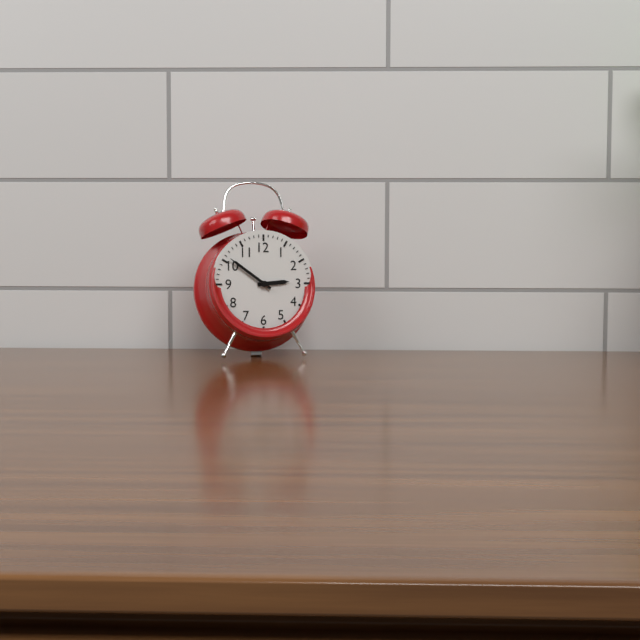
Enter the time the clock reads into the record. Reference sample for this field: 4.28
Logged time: 2.51
